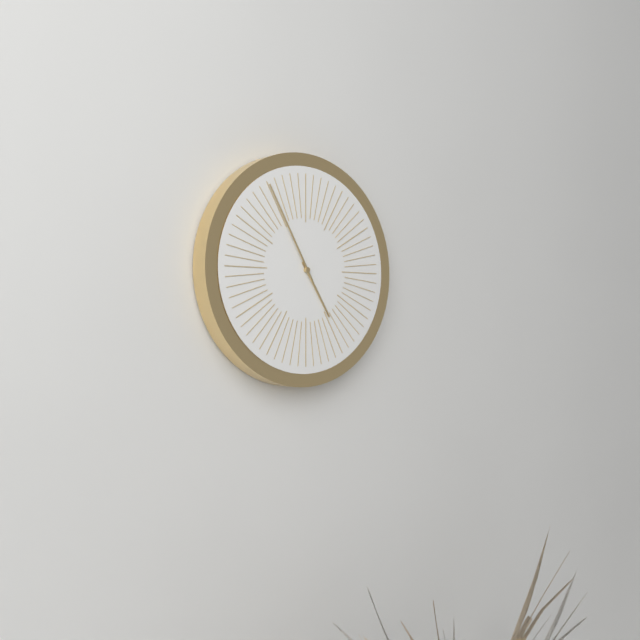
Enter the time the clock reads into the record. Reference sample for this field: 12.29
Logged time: 4.55
